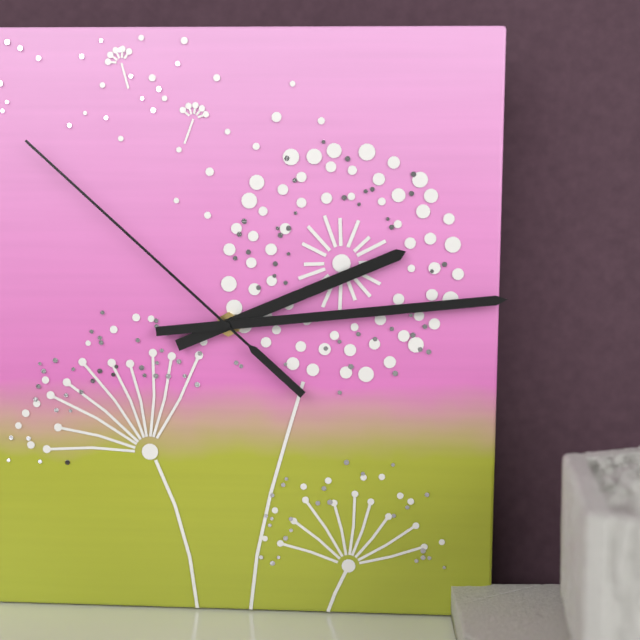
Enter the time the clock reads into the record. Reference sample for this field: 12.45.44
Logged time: 2.14.52
